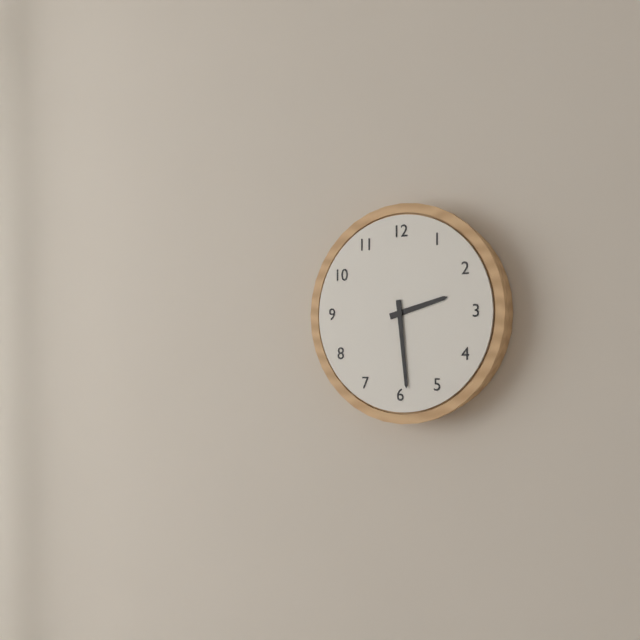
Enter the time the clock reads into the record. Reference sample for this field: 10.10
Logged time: 2.29
